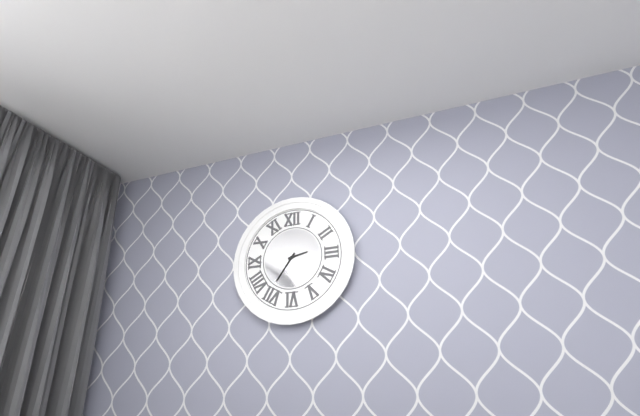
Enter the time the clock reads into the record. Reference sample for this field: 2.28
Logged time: 2.36
